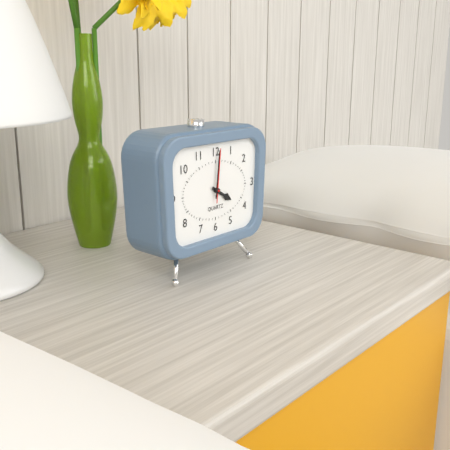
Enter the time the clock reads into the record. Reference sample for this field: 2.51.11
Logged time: 4.01.01
